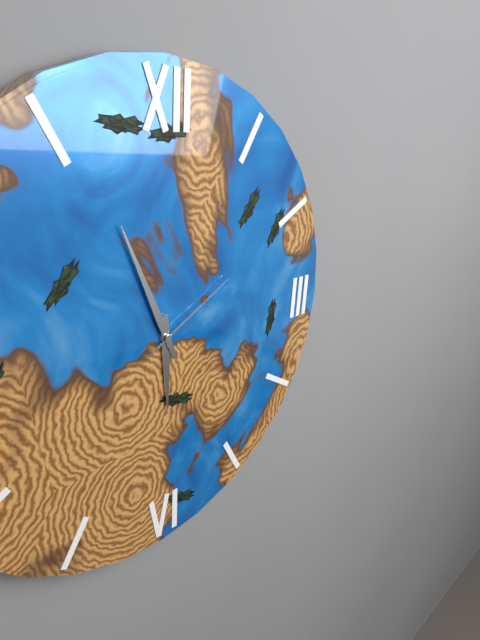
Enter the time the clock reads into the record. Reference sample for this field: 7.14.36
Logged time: 5.56.10
